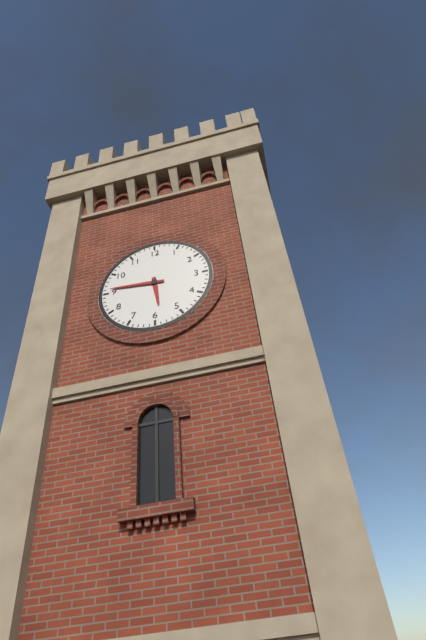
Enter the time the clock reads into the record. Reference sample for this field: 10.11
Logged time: 5.46
